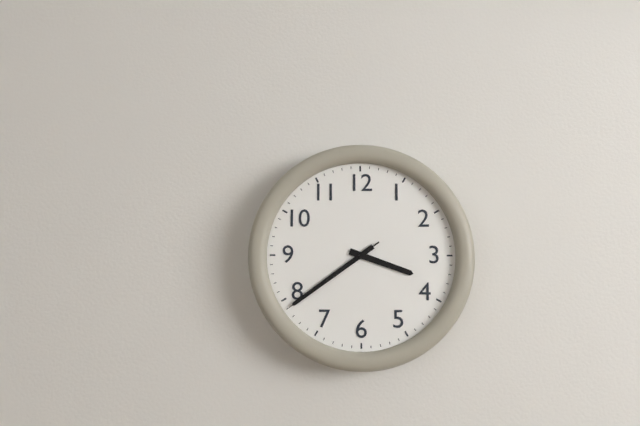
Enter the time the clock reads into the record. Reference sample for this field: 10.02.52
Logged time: 3.39.39
